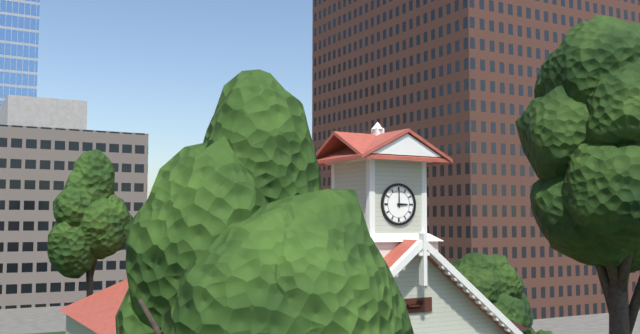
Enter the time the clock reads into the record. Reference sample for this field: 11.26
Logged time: 3.00
